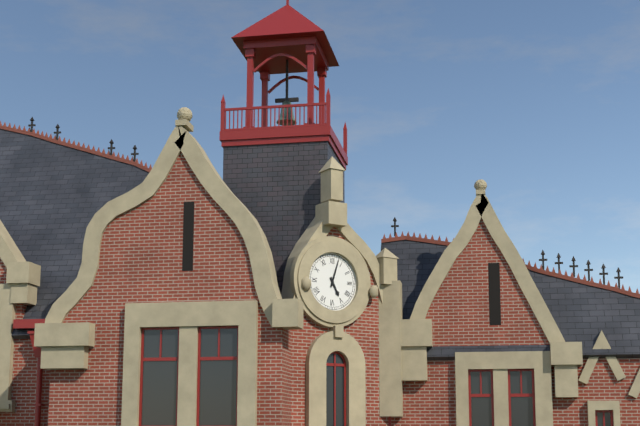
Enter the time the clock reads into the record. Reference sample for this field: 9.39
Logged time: 5.03
